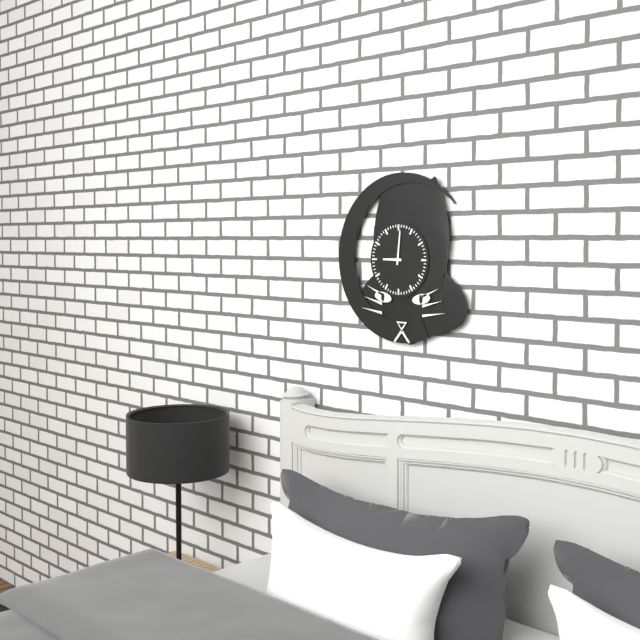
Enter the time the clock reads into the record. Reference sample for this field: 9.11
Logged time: 9.01
